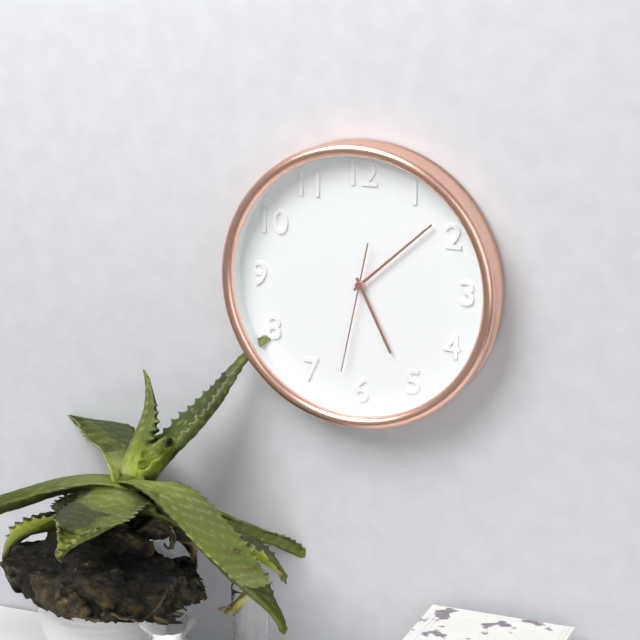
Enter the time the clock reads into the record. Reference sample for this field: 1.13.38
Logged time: 5.08.32
